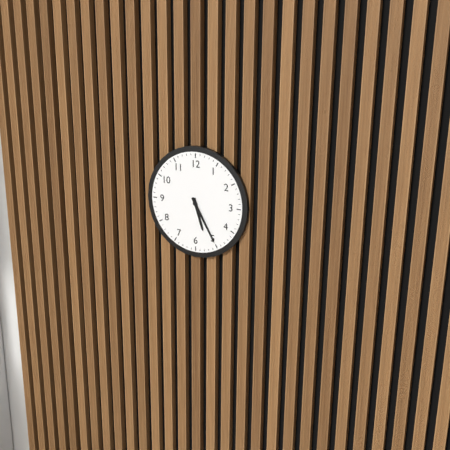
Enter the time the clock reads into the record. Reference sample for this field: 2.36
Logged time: 5.25
